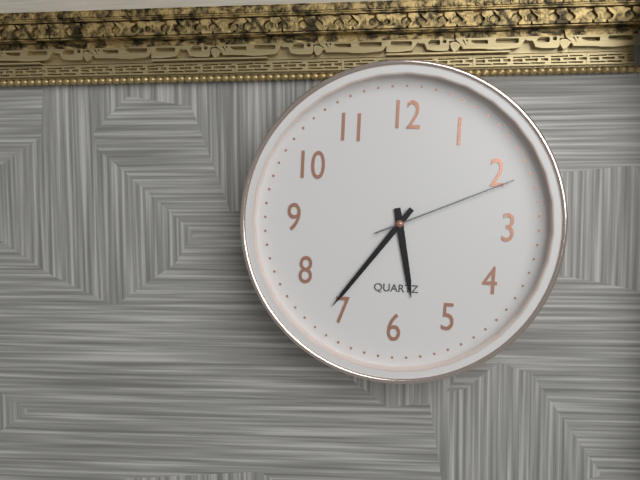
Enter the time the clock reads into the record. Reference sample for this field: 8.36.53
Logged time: 5.36.11
